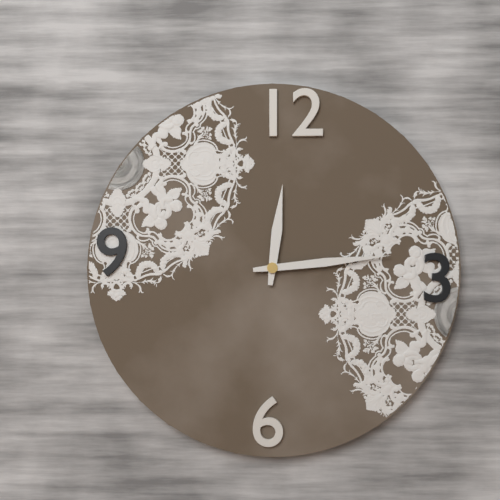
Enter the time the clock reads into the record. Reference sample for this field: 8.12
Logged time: 12.14
